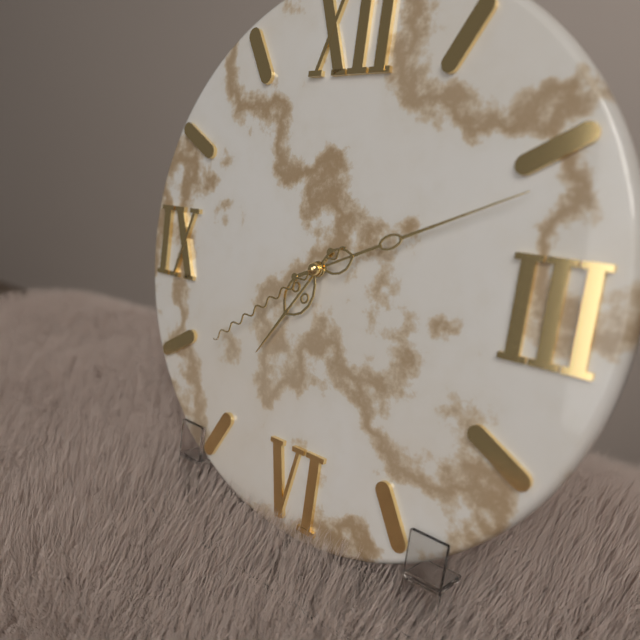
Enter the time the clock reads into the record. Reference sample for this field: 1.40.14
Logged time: 7.11.39
